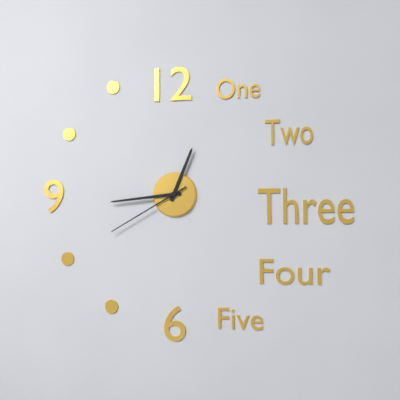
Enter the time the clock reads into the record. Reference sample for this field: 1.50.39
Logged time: 12.44.40
